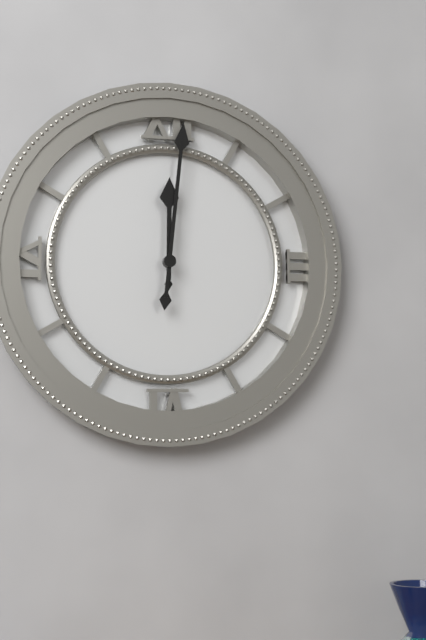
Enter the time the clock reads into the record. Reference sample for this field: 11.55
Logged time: 12.01
